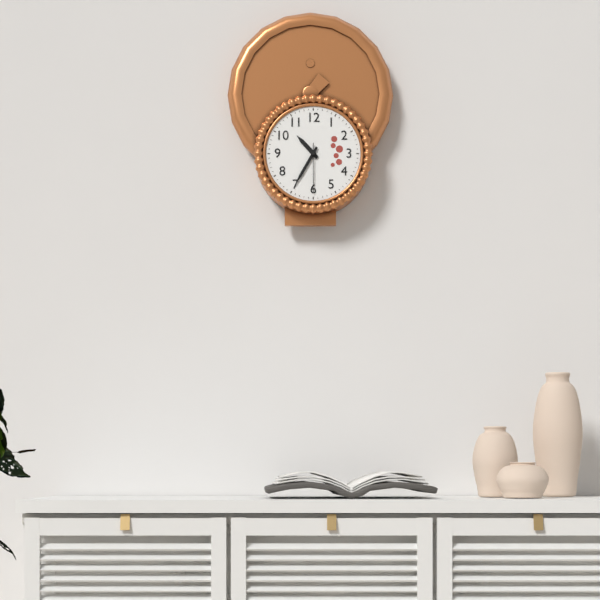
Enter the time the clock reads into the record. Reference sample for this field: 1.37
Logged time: 10.35
